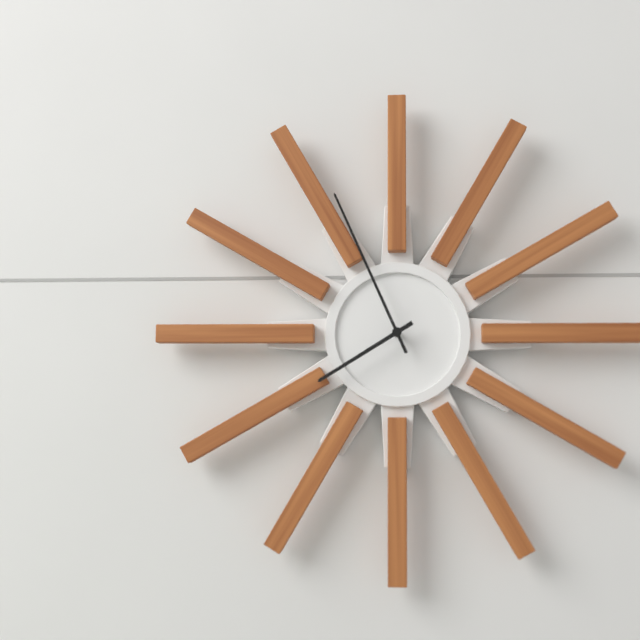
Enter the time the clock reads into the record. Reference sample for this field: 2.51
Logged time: 7.56
